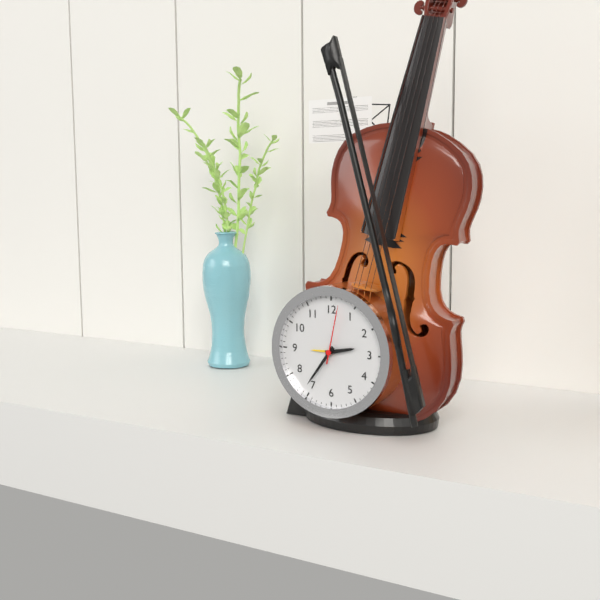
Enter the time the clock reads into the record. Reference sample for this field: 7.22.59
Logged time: 2.36.02
